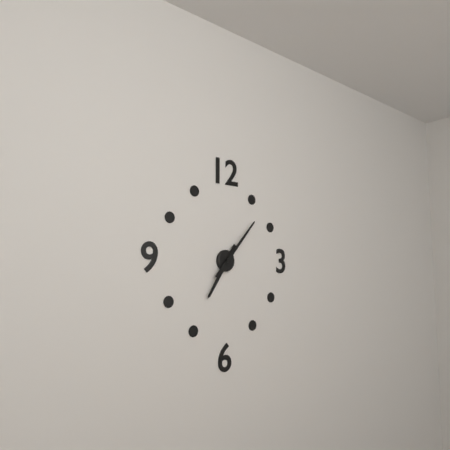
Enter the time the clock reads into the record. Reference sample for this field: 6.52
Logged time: 7.07
